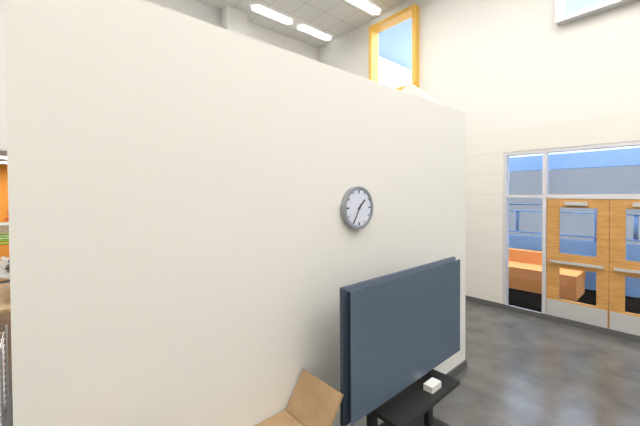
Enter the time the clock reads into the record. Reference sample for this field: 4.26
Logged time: 1.35
